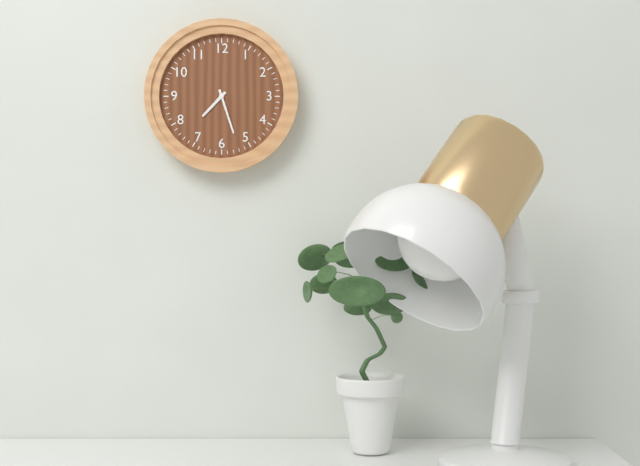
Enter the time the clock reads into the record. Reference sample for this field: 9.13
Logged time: 7.27
